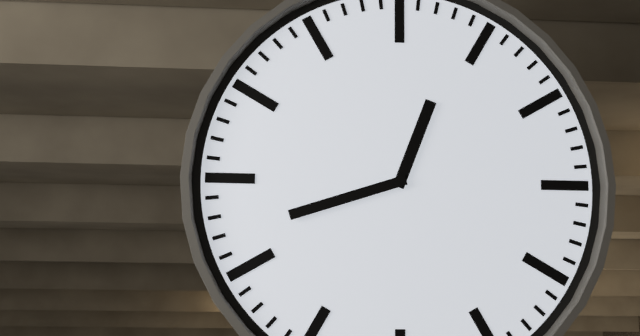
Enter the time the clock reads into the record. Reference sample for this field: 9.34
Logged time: 12.42
